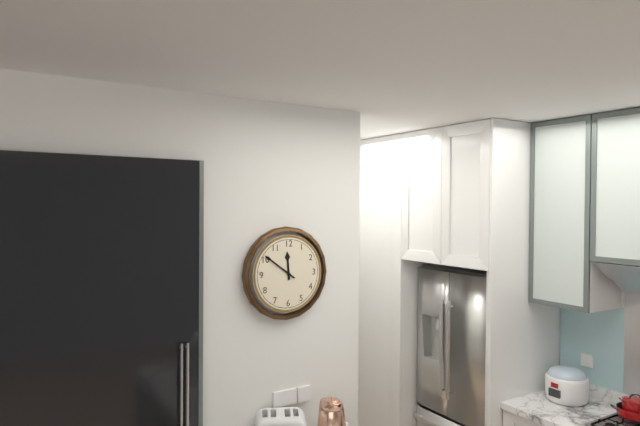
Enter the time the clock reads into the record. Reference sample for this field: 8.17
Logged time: 11.51
